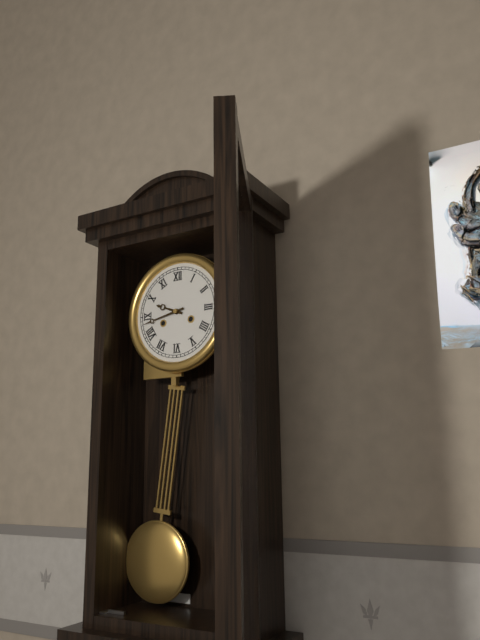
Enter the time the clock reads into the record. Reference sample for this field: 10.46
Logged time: 9.43
